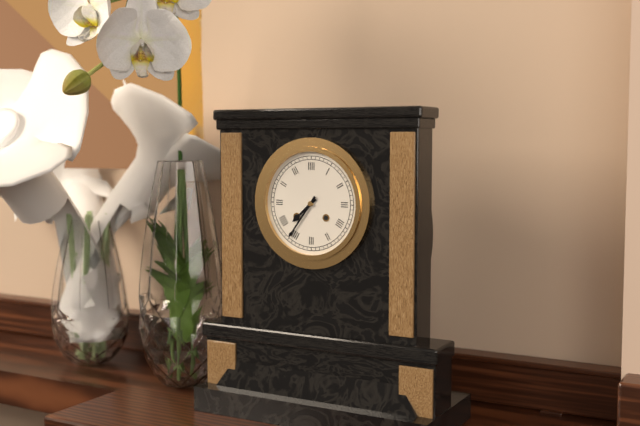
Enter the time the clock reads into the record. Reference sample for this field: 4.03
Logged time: 7.36
